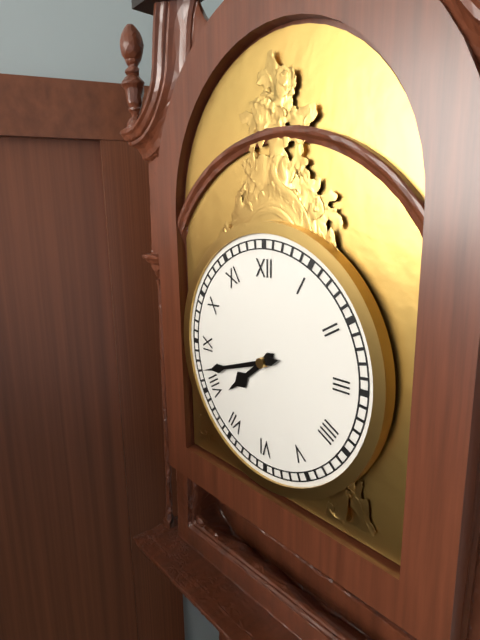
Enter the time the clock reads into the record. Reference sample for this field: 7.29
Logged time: 7.42
